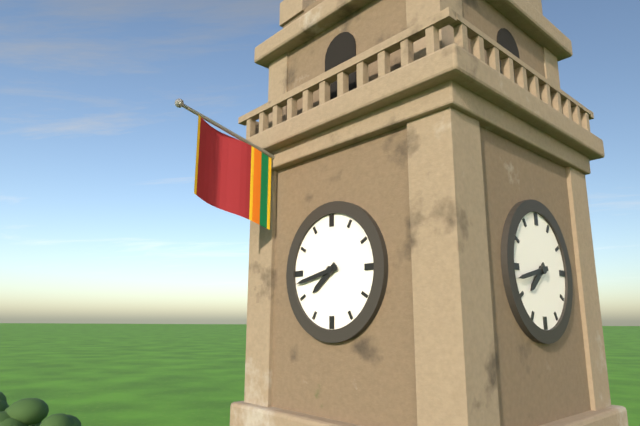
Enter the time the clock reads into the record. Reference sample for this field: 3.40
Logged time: 7.43
